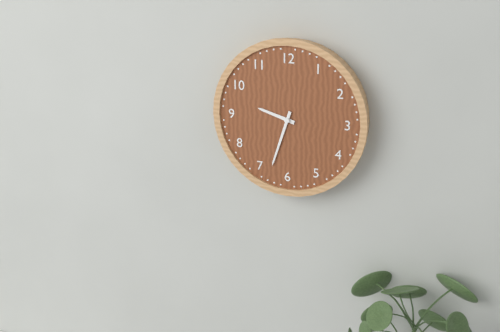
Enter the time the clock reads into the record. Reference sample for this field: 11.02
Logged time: 9.33
